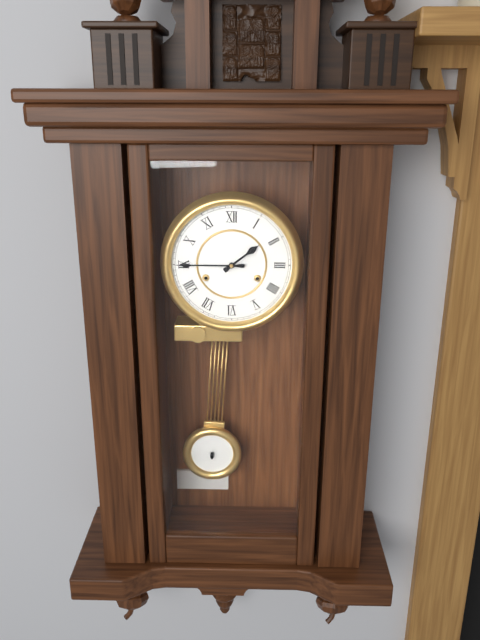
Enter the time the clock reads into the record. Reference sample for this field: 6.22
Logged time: 1.45
